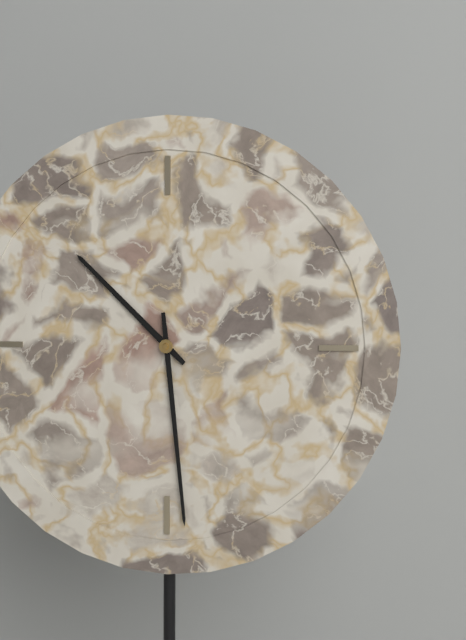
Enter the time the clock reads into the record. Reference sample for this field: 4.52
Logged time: 10.29
